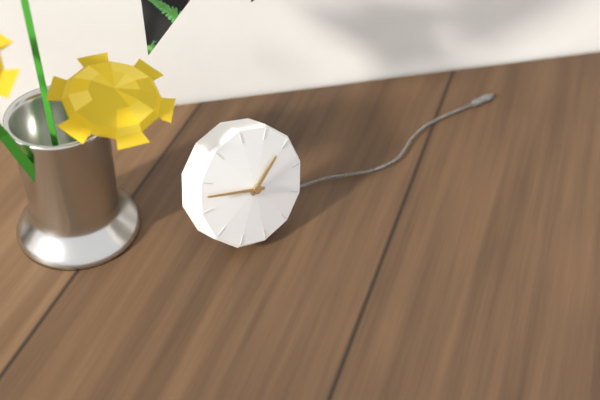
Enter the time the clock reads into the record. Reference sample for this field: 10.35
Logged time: 1.48
